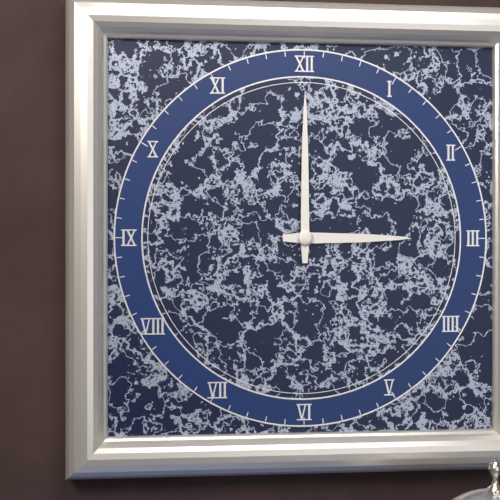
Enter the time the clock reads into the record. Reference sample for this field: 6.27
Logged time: 3.00
